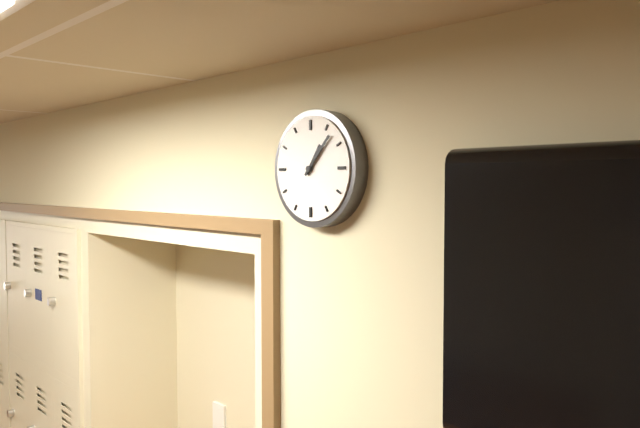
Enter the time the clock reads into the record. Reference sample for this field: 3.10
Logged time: 1.07
